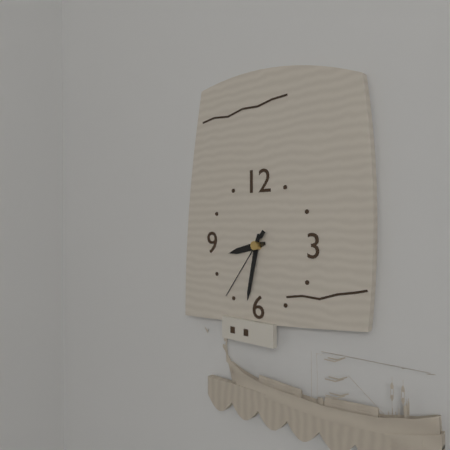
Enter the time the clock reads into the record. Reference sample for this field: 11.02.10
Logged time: 8.32.36
